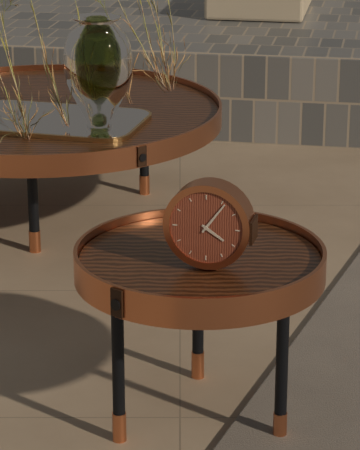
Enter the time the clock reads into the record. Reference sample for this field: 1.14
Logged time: 4.06
